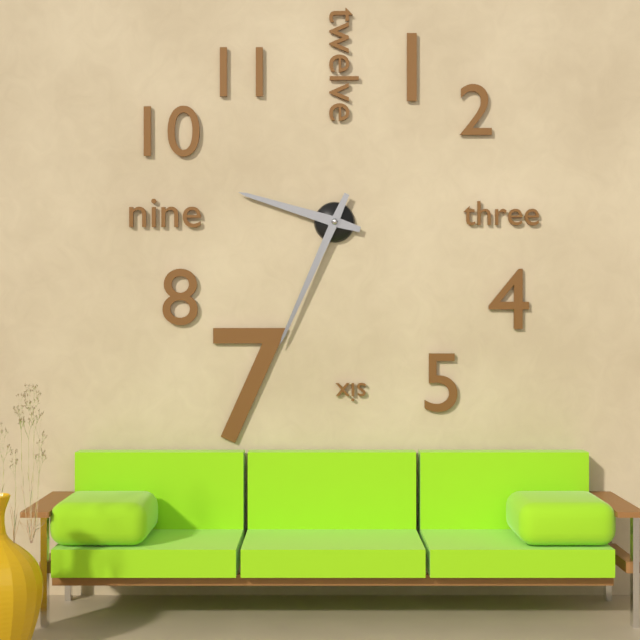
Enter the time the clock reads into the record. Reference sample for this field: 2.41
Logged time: 9.34
